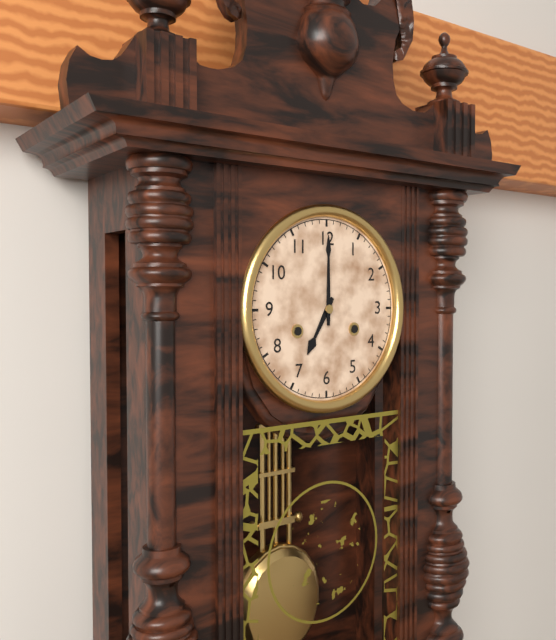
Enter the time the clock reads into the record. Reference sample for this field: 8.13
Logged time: 7.00
